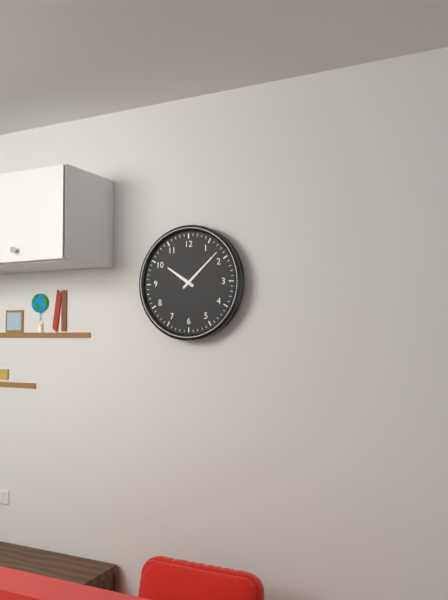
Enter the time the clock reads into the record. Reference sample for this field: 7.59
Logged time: 10.08
